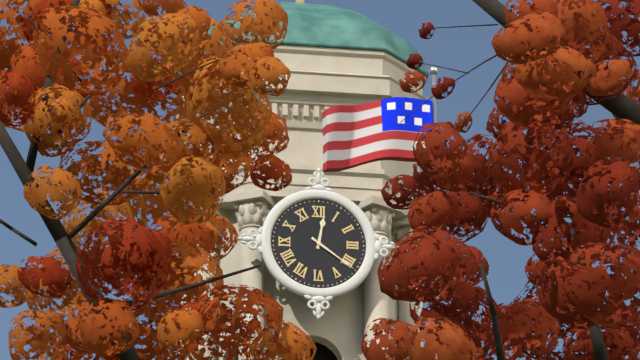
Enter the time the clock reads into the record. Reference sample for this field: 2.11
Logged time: 12.21
